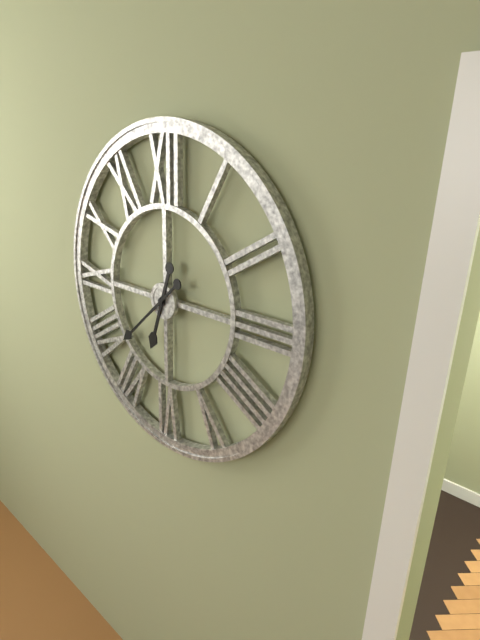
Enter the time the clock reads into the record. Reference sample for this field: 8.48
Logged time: 6.38
